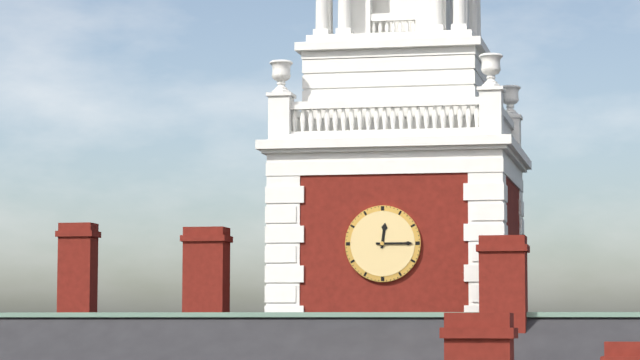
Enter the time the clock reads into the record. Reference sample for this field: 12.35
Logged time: 12.15
